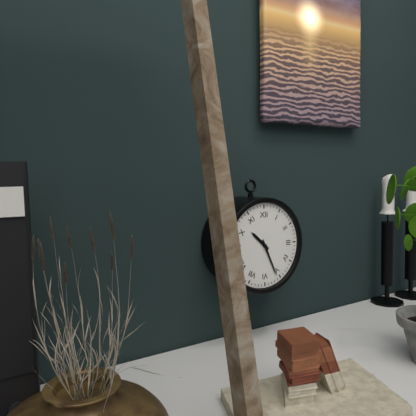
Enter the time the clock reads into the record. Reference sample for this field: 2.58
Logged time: 10.26
